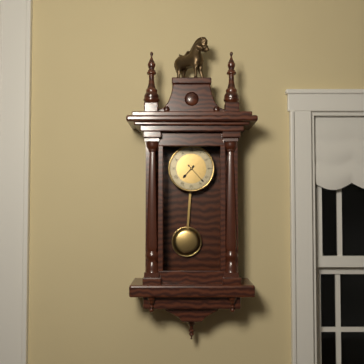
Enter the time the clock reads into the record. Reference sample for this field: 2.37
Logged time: 7.23
